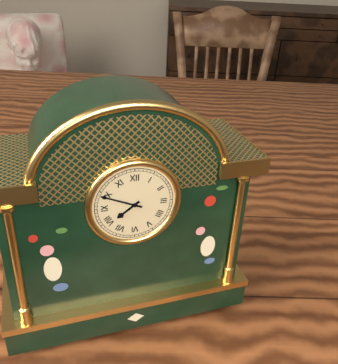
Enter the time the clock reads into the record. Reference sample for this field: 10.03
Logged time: 7.49
